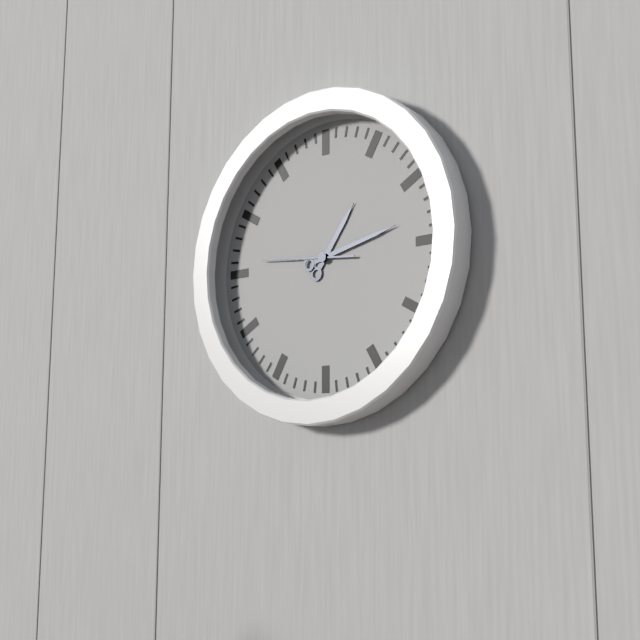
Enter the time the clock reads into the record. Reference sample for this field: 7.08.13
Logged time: 1.13.46
